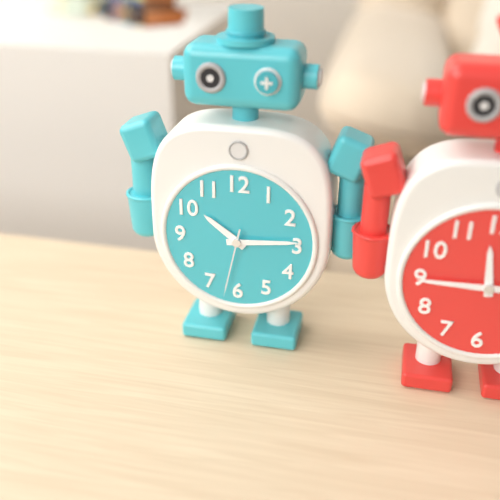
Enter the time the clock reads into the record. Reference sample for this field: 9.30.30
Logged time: 10.14.32
